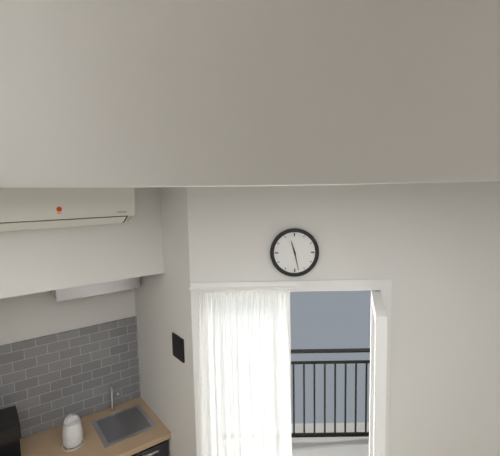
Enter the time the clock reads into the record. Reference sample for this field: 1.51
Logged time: 11.28
